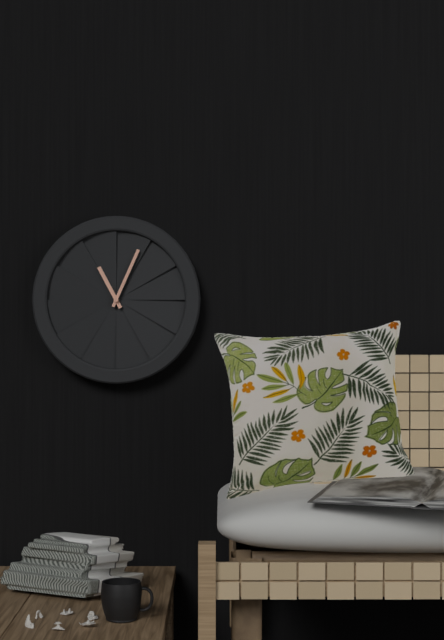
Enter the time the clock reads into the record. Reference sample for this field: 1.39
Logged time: 11.04
